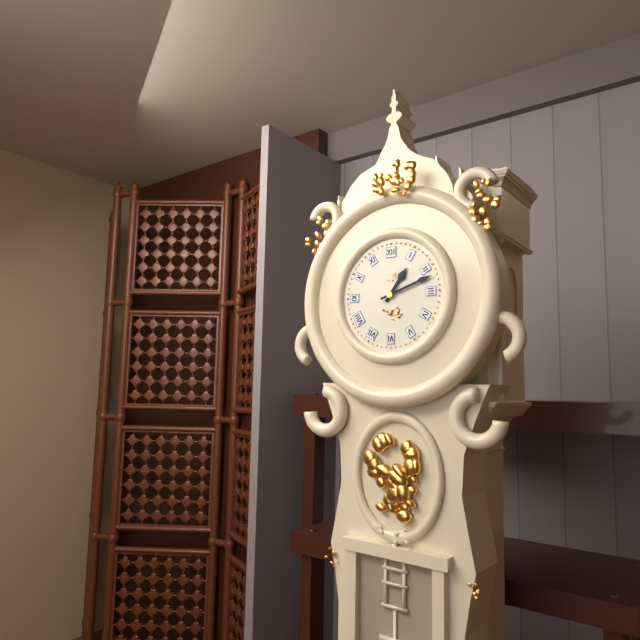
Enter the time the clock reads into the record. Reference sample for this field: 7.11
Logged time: 1.12
